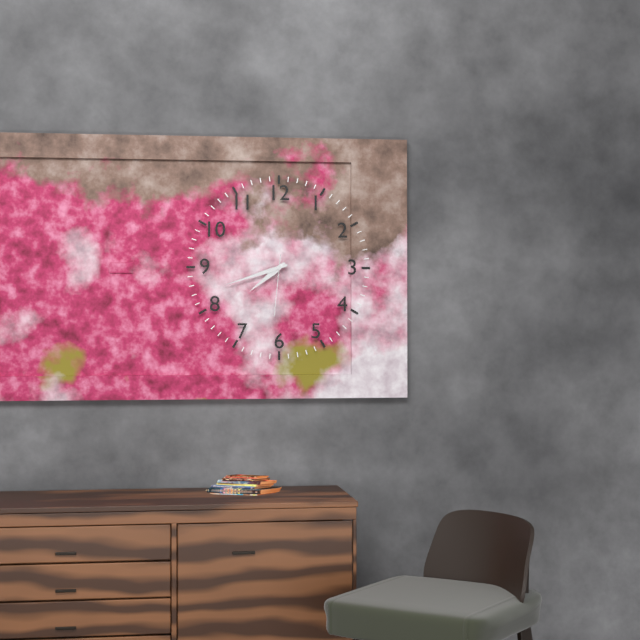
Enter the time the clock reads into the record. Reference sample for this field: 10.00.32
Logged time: 7.42.31
